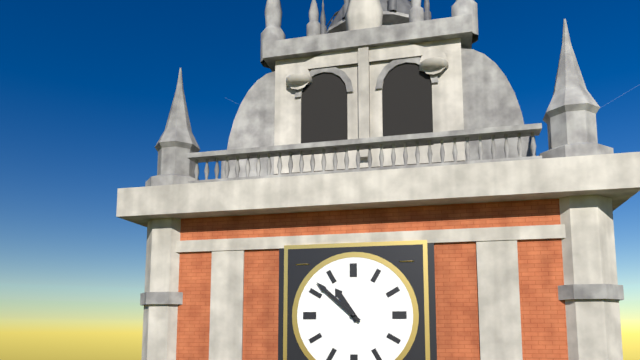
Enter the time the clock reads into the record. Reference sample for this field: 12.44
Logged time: 10.52
